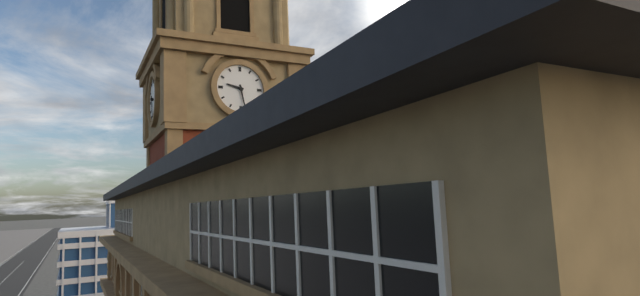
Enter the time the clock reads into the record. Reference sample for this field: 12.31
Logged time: 9.28
